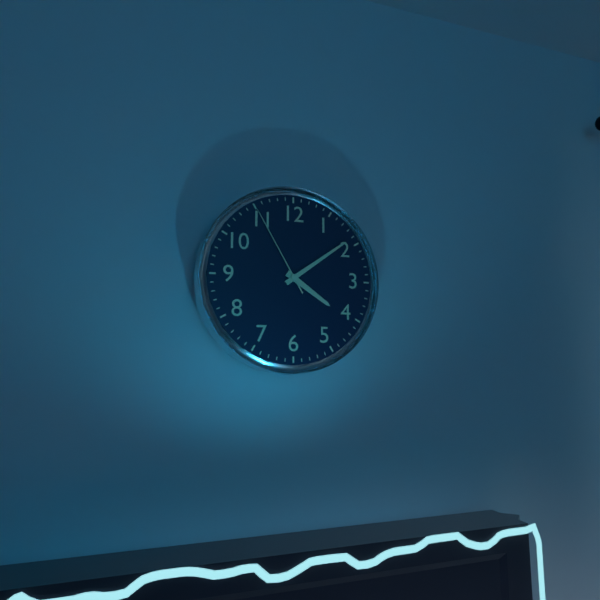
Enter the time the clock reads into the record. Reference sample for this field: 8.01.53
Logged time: 4.09.55
